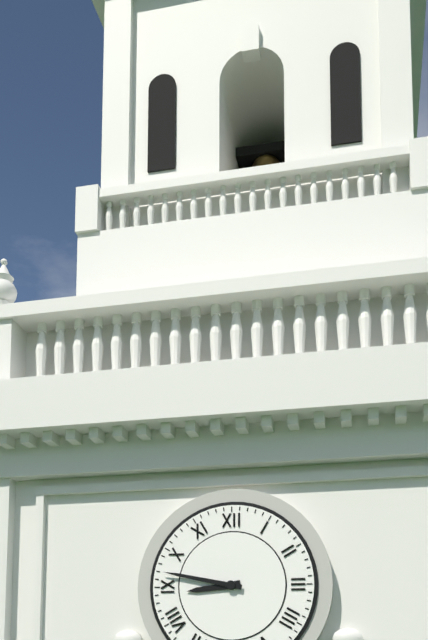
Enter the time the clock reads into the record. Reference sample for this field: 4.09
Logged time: 8.47
